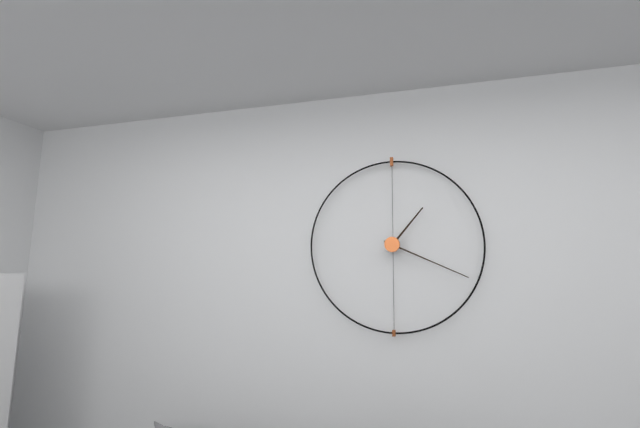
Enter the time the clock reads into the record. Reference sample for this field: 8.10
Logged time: 1.19
